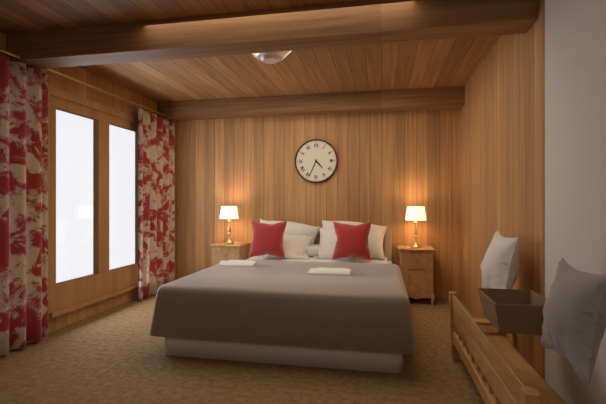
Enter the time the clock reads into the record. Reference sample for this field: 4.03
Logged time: 4.34
